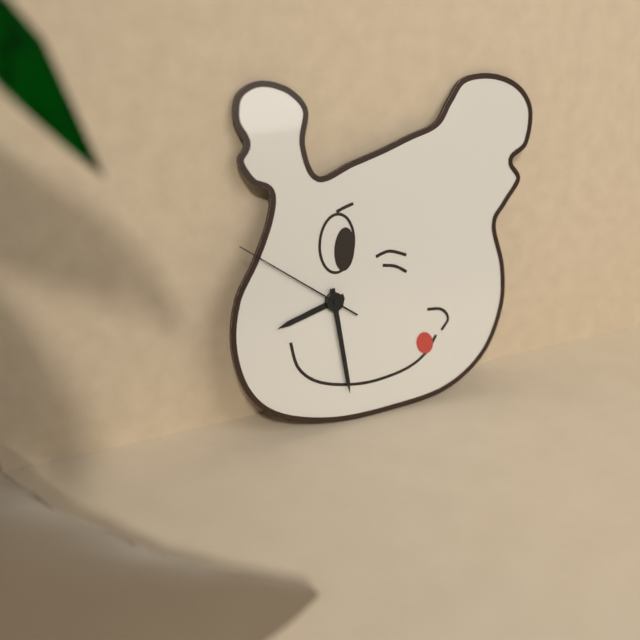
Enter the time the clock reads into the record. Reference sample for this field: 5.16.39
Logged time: 8.29.51
